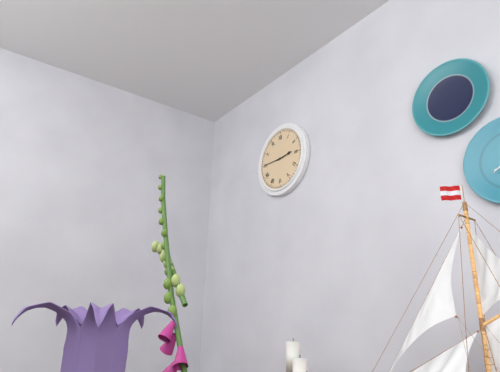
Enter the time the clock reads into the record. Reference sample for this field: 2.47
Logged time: 2.45
